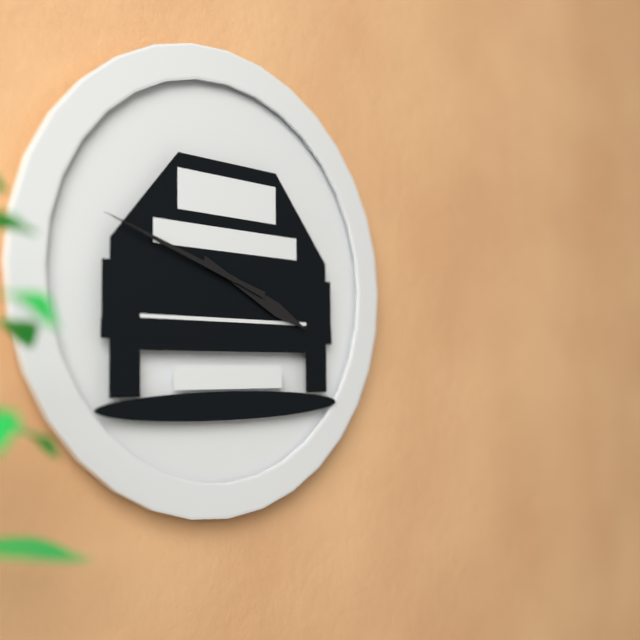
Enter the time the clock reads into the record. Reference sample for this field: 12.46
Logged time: 3.48
